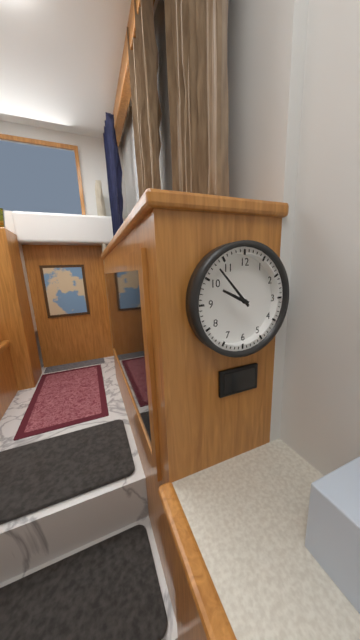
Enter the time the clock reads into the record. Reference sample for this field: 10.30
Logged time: 9.53
